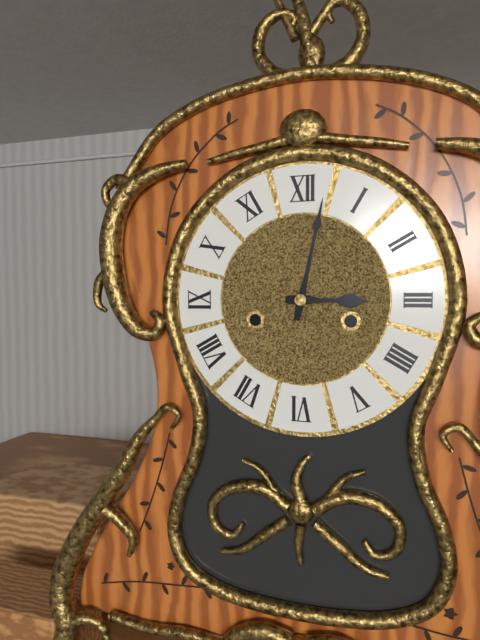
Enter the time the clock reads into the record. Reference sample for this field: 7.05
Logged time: 3.02
